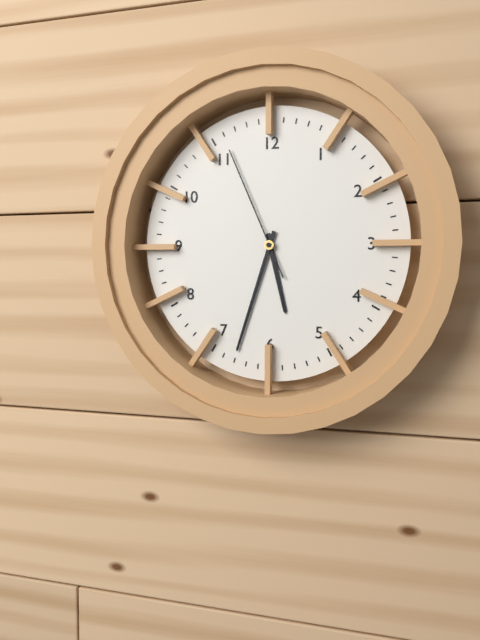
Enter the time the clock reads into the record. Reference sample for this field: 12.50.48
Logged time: 5.33.56
